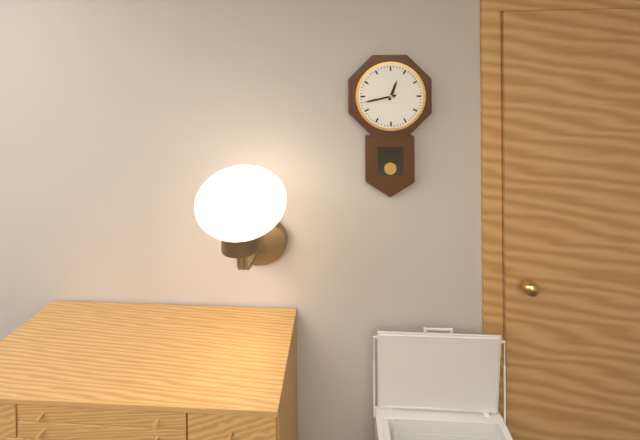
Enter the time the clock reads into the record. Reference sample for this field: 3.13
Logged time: 12.43
